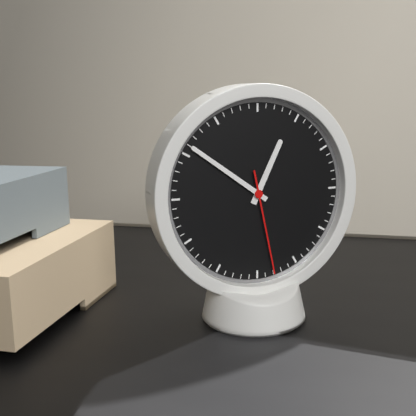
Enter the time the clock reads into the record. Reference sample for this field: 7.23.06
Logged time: 12.51.28
